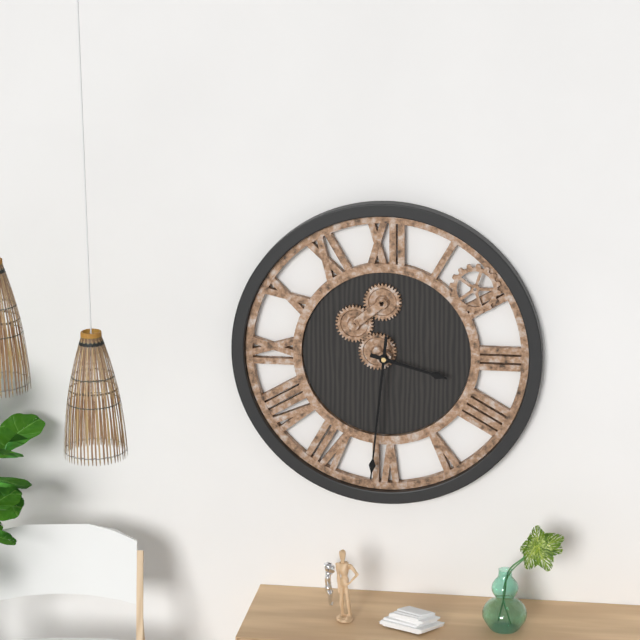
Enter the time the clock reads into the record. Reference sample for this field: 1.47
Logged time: 3.31
